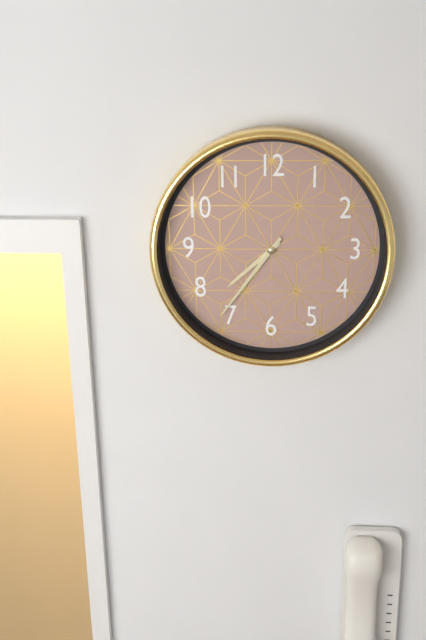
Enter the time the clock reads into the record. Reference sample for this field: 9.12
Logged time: 7.36
